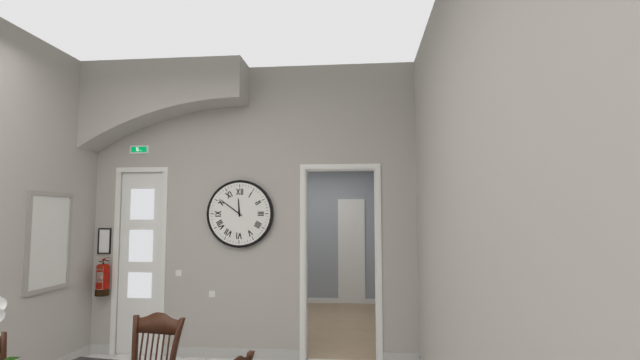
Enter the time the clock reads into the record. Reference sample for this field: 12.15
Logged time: 11.51
